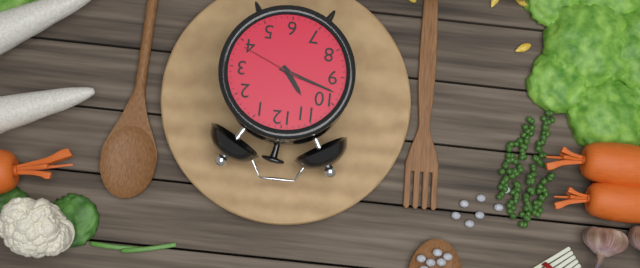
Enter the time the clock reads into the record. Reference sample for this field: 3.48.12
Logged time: 10.48.19
